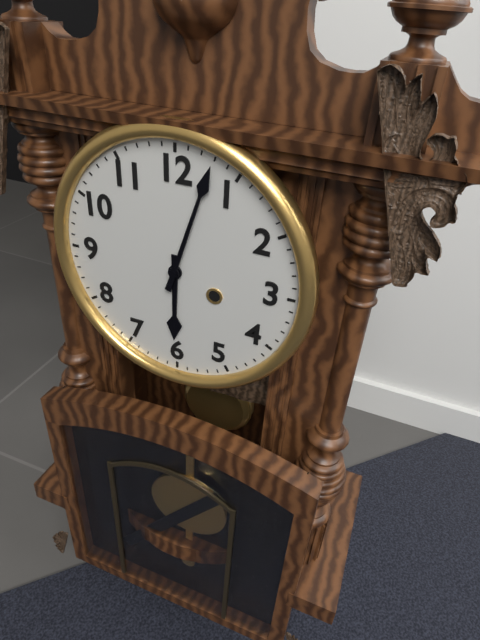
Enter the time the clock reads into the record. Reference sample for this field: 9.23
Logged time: 6.03
